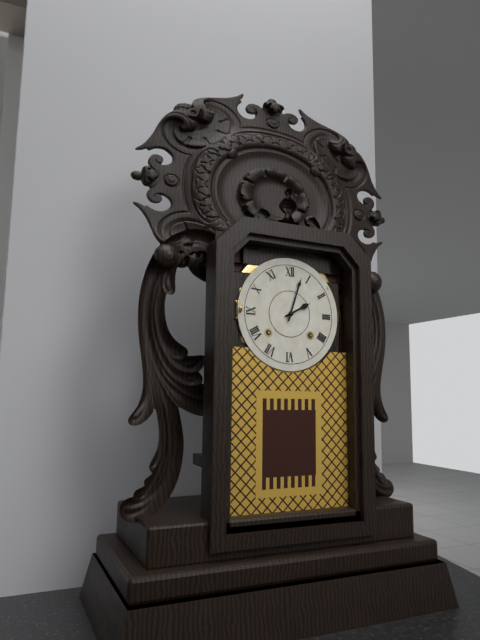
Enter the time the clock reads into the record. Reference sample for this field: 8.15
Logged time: 2.03
